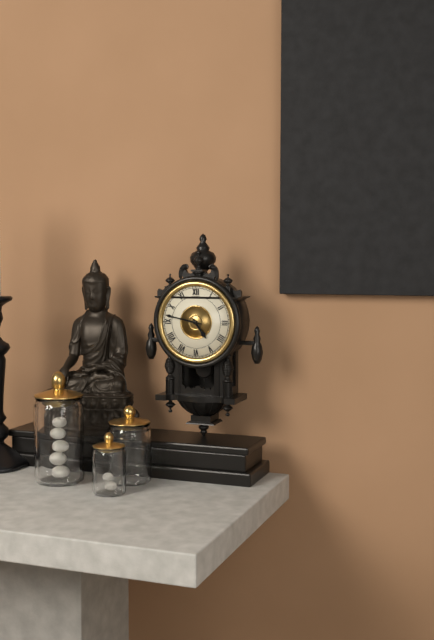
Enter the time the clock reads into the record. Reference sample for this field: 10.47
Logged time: 4.47
